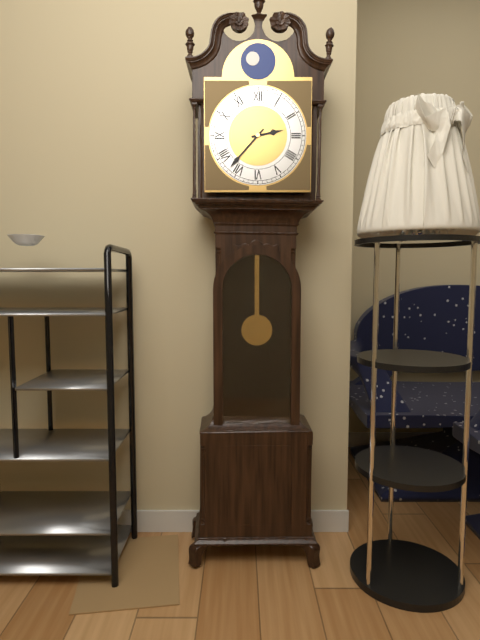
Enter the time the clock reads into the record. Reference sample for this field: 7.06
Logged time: 2.37
